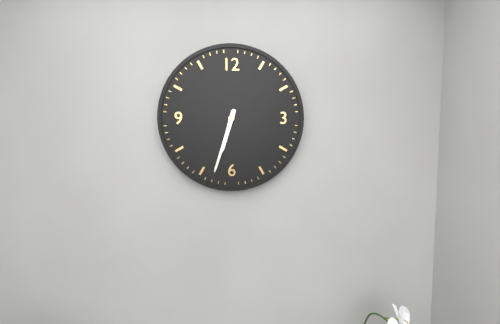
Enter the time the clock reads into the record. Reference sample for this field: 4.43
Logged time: 6.33
